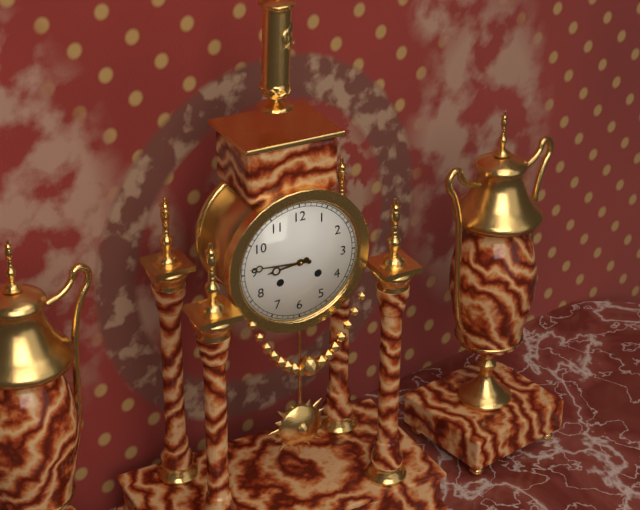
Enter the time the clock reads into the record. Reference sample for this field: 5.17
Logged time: 8.46
